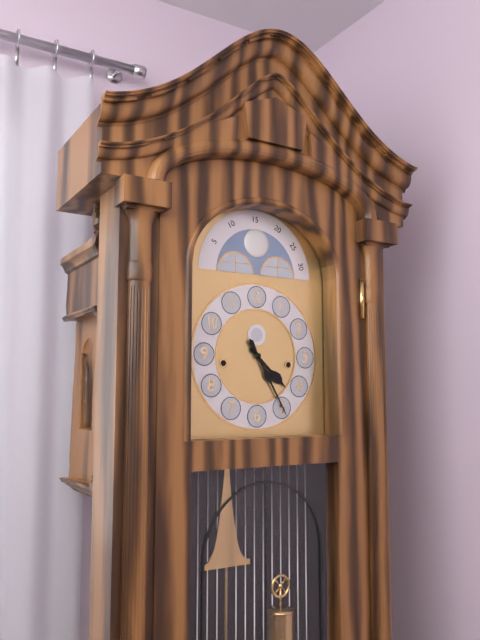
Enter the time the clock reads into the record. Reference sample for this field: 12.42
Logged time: 4.25
